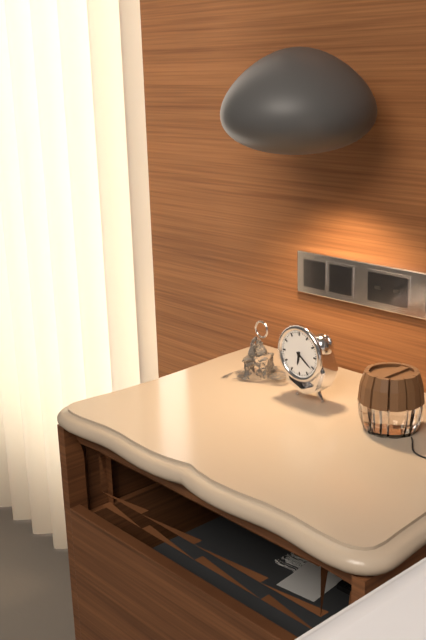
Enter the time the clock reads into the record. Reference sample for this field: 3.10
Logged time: 6.21
